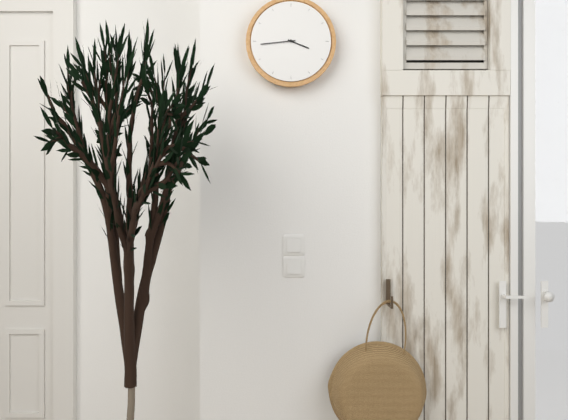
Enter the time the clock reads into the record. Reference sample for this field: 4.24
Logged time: 3.44
